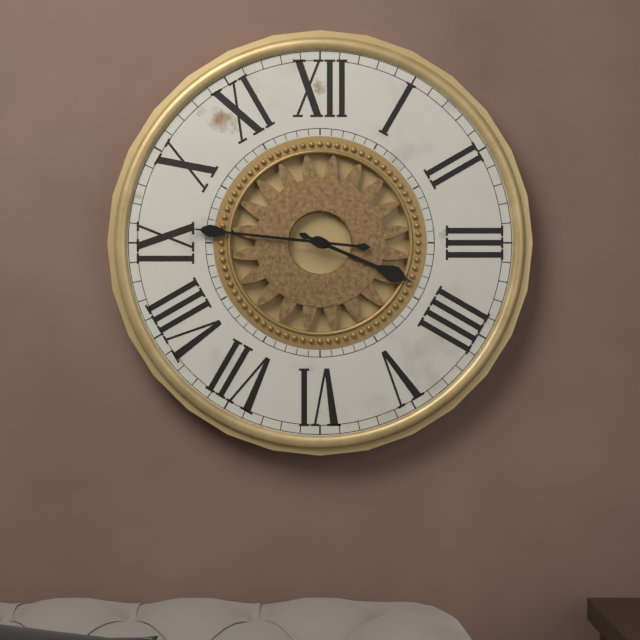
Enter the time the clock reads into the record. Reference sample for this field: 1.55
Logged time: 3.46
